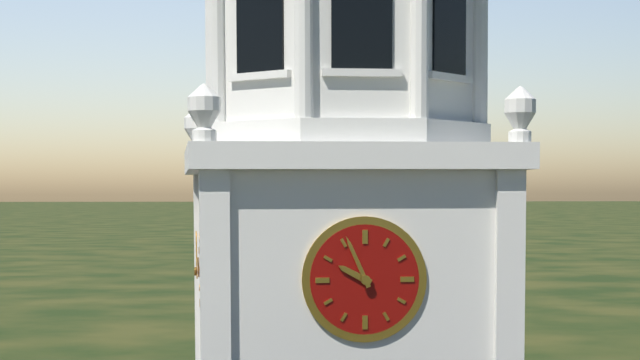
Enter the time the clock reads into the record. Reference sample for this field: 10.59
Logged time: 9.56
